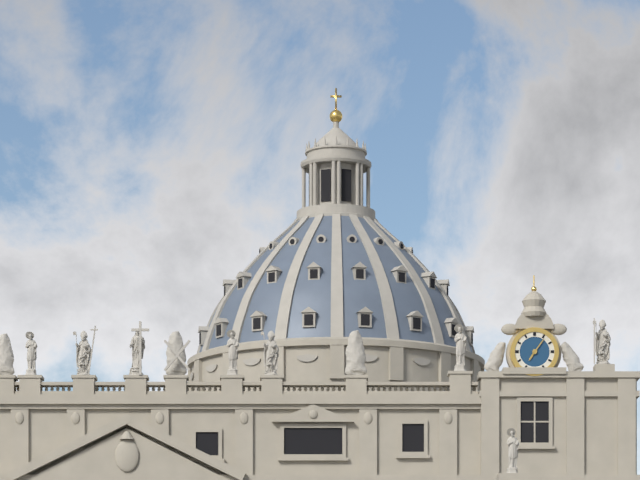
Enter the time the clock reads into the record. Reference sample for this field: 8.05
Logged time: 7.06
